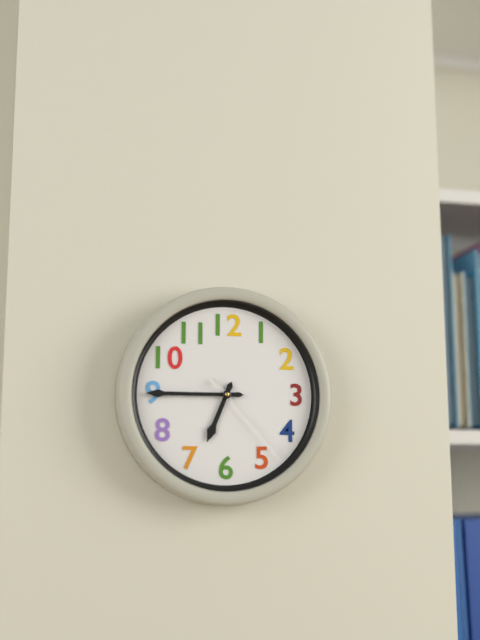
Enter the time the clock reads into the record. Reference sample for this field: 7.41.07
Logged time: 6.45.23
